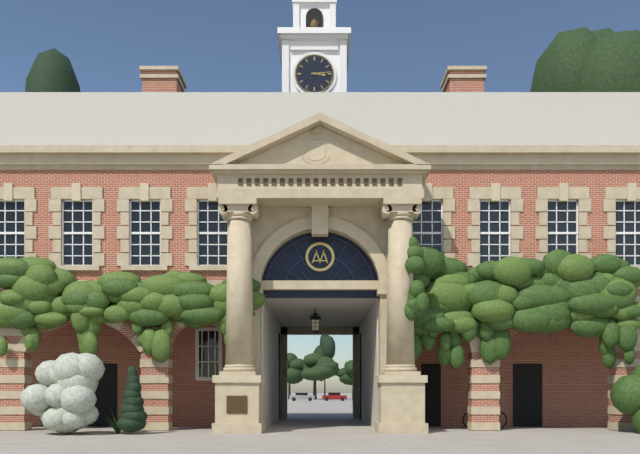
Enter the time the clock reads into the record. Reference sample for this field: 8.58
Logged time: 3.14
